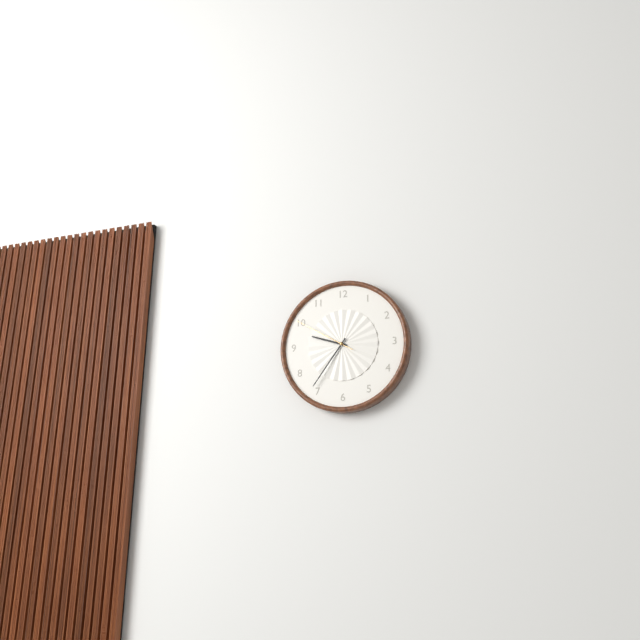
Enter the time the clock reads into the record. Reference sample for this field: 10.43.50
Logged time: 9.36.50
